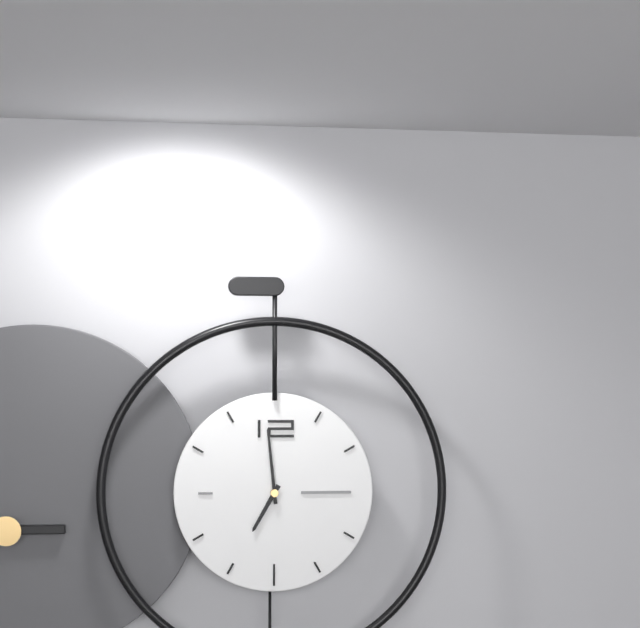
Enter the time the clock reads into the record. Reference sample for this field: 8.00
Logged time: 6.59
